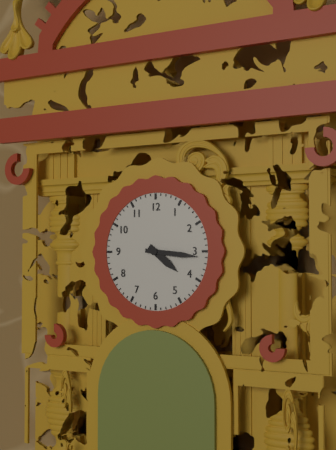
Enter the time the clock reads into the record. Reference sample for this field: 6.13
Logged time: 4.16
